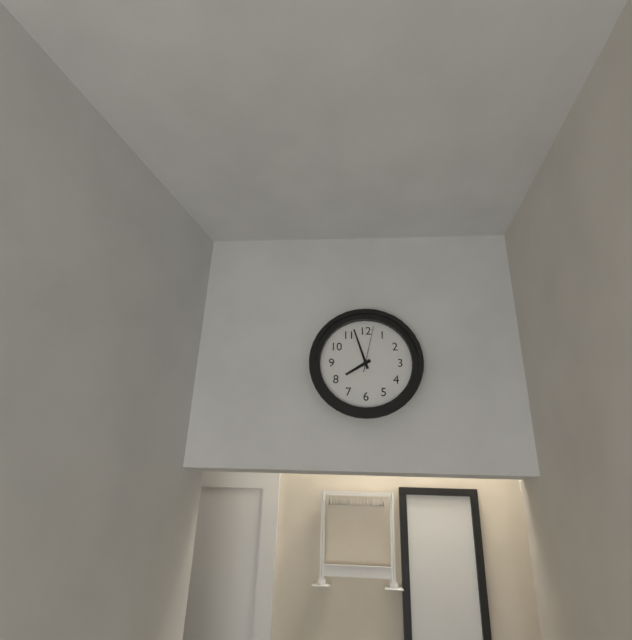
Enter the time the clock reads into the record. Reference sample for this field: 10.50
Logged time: 7.57
